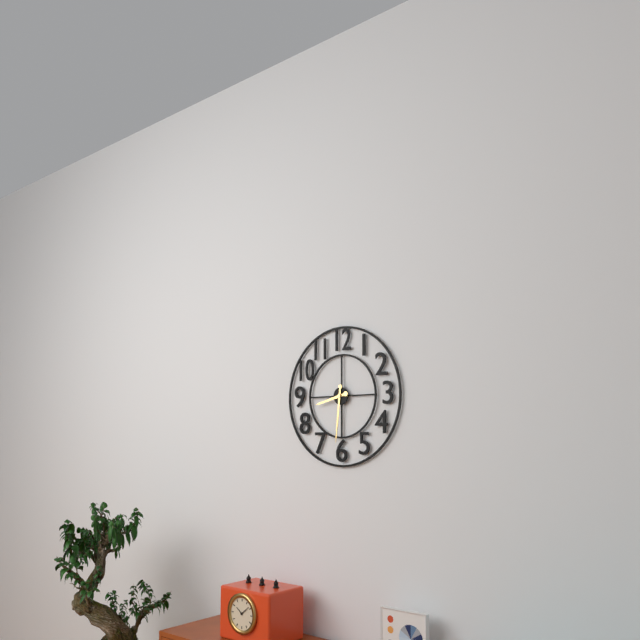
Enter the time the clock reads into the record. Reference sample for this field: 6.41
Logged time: 8.31
